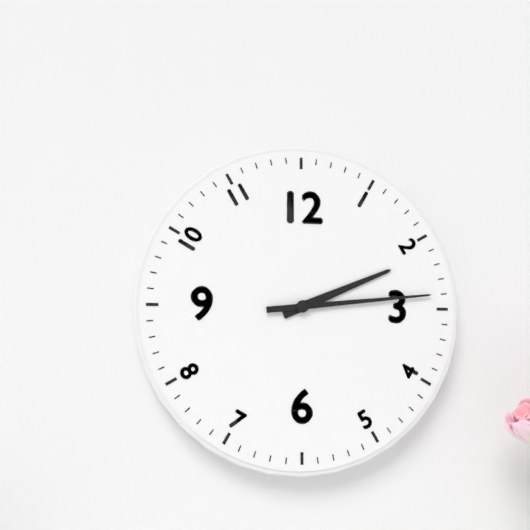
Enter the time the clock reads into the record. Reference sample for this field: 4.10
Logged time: 2.14
